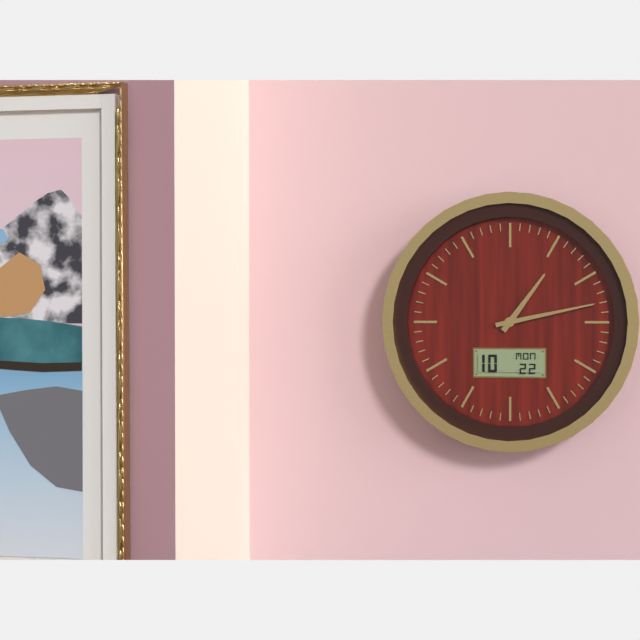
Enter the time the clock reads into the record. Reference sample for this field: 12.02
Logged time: 1.13
